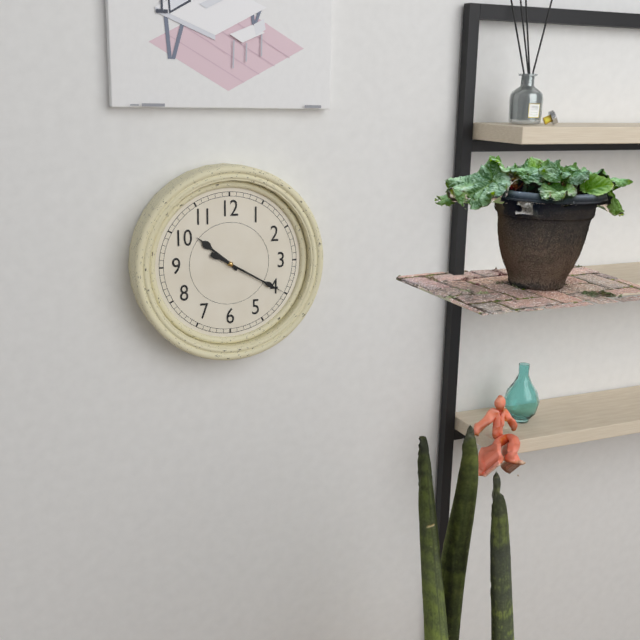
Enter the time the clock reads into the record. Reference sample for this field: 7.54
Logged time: 10.20
